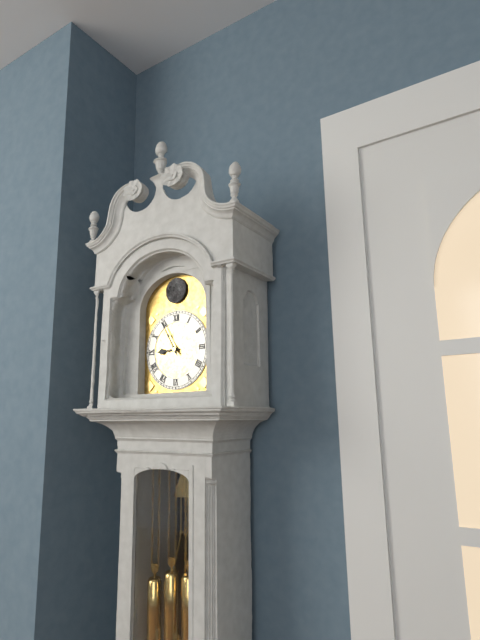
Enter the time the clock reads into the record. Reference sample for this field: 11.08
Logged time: 8.55
